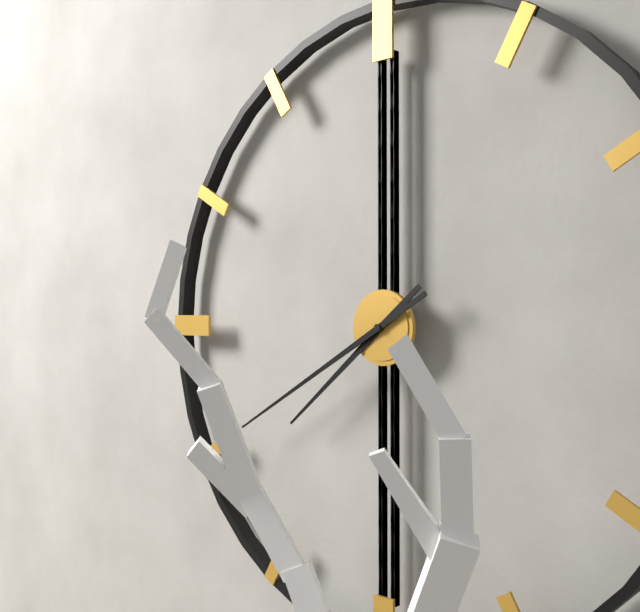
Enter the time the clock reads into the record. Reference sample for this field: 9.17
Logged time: 7.40
